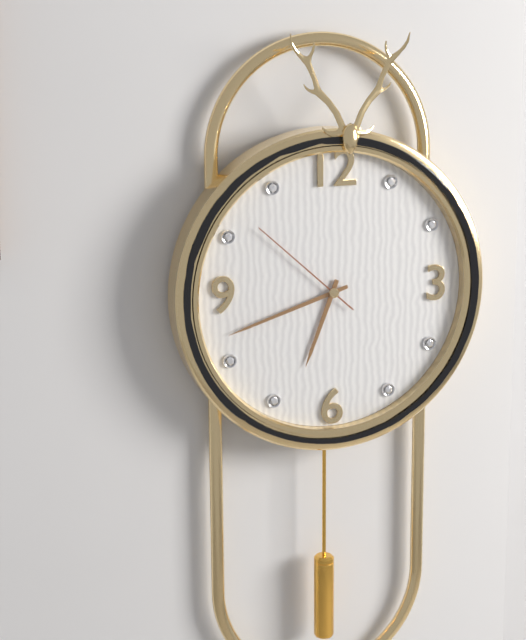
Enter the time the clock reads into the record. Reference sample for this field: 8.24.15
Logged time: 6.42.52
